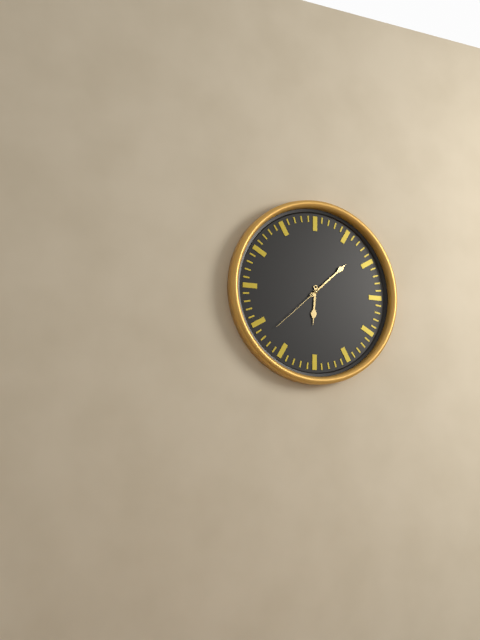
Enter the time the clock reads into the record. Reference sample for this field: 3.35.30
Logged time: 6.08.38
